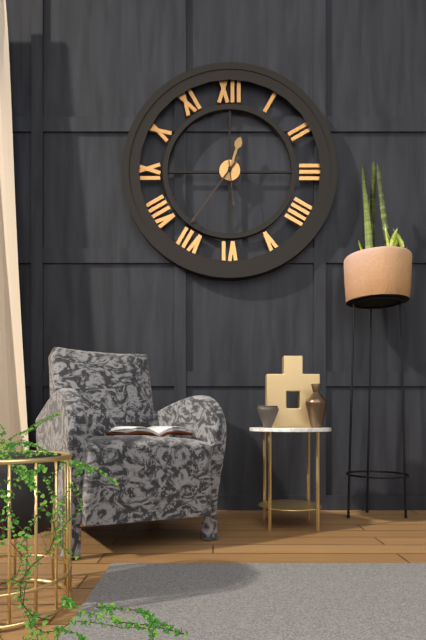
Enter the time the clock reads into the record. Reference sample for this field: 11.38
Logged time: 12.36
